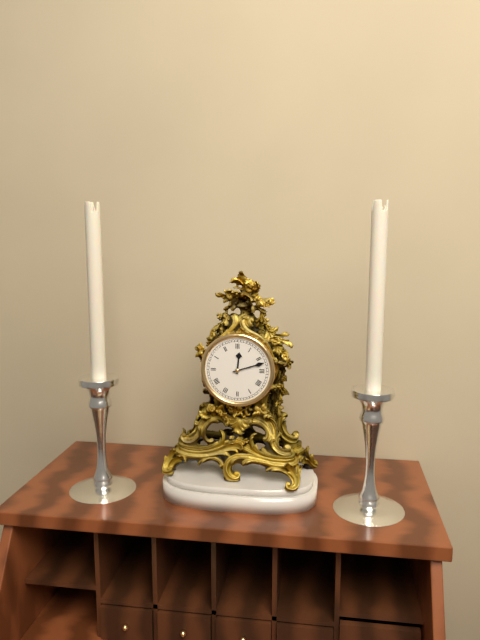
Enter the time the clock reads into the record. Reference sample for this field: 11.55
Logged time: 12.12
